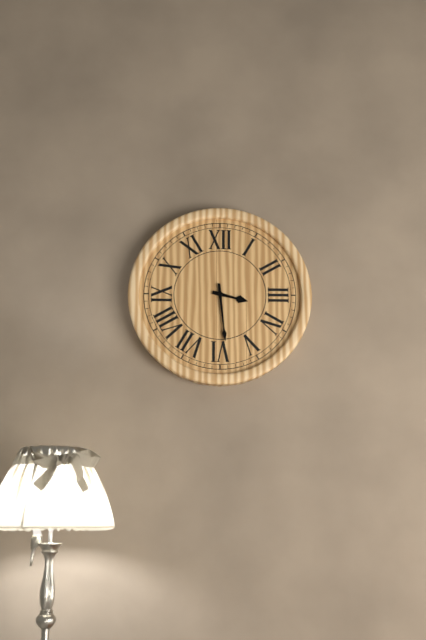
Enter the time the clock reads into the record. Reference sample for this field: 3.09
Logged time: 3.29
